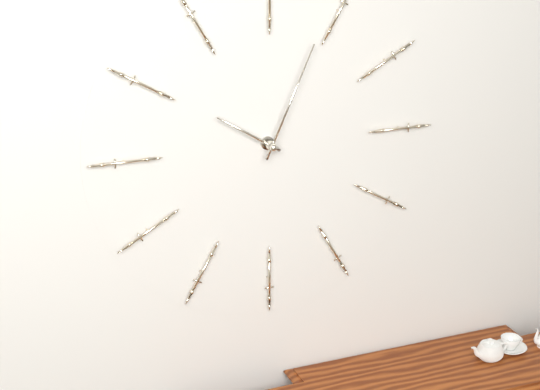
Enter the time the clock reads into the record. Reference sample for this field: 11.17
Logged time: 10.04
